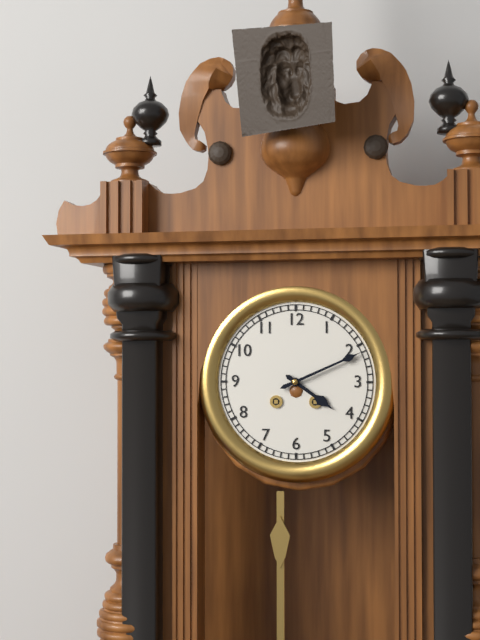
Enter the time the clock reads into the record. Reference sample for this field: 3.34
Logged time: 4.11
